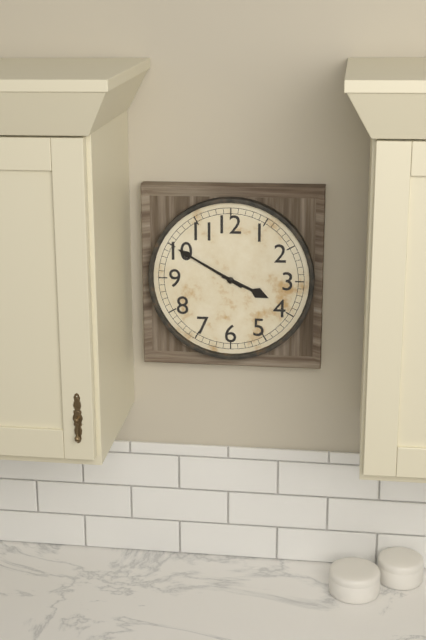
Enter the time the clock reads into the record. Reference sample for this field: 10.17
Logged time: 3.50
